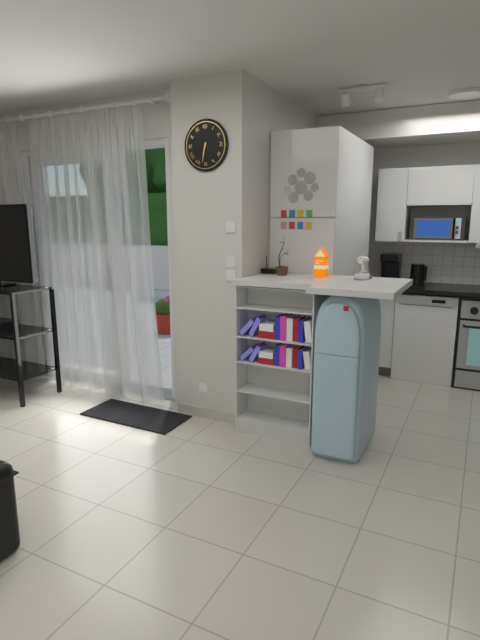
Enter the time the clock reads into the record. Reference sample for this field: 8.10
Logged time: 6.32
